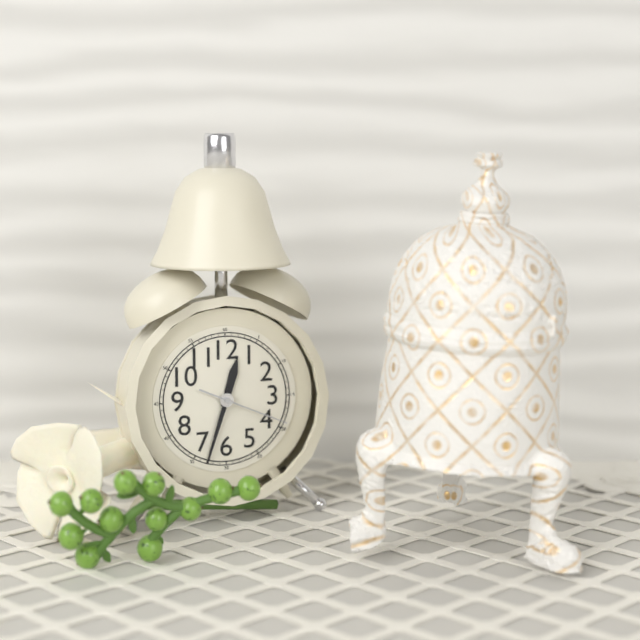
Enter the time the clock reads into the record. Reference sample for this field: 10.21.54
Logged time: 12.33.19
